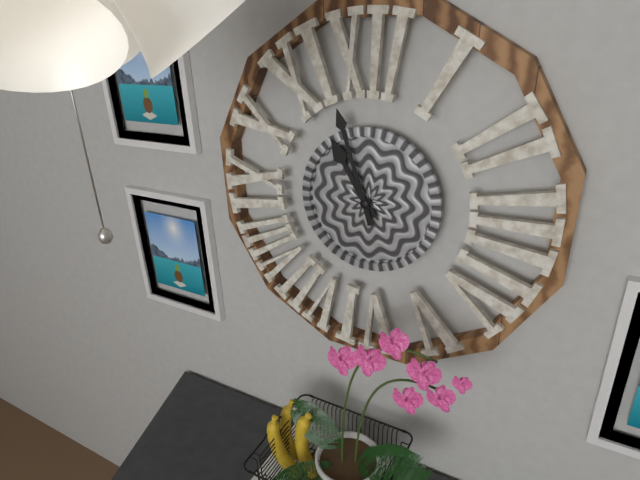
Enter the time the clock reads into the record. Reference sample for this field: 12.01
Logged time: 10.57
